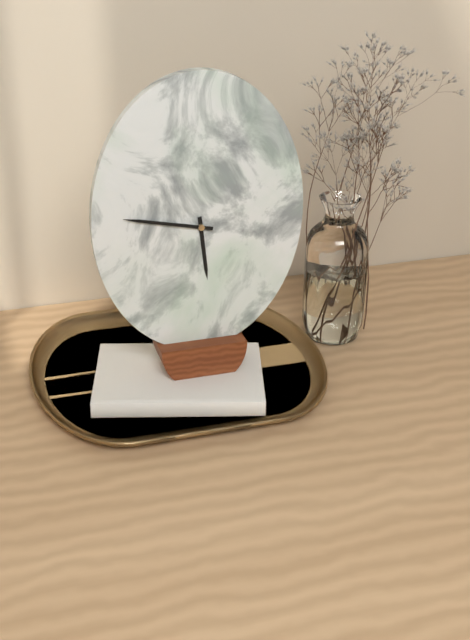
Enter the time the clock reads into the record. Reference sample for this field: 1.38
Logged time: 5.47
